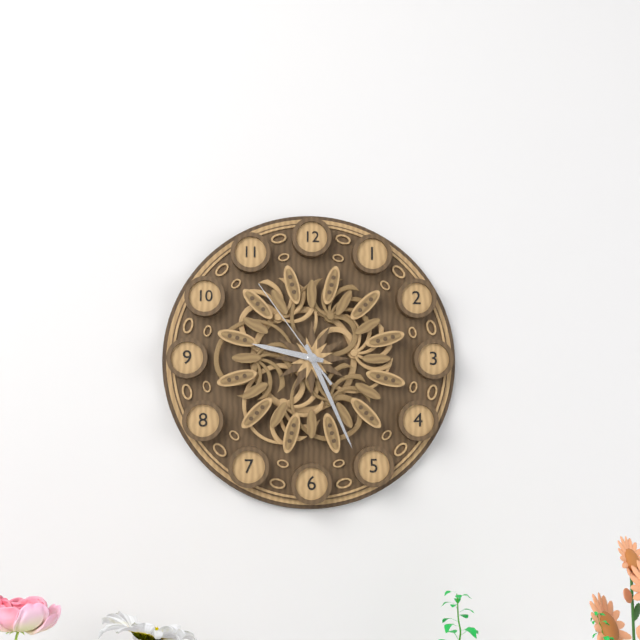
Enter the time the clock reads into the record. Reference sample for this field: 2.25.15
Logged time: 9.26.54
